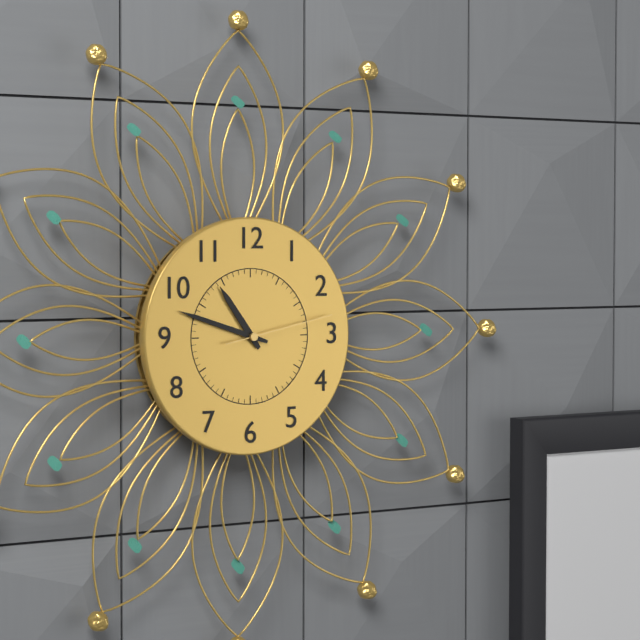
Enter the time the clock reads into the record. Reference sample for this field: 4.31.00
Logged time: 10.48.13
